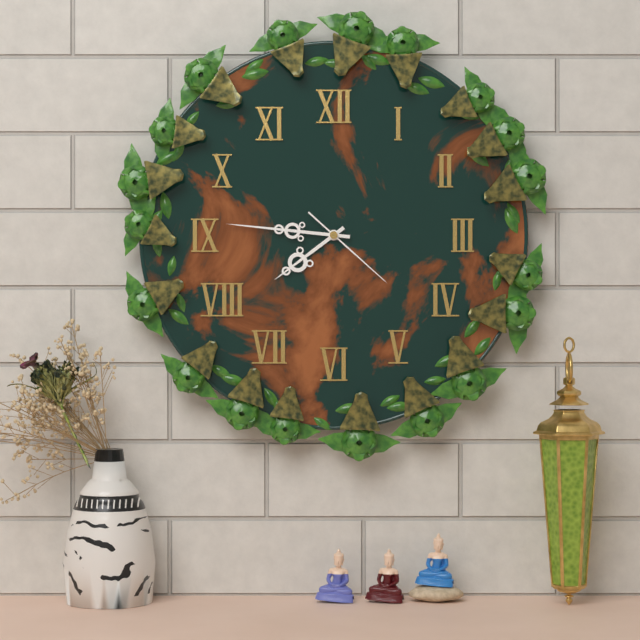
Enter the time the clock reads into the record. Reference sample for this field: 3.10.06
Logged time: 7.46.22
